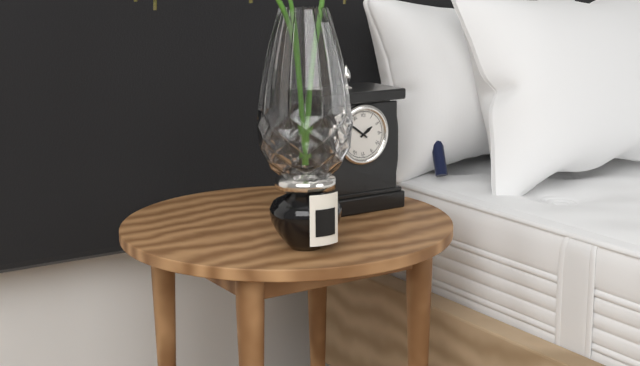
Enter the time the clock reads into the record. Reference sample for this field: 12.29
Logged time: 1.51
